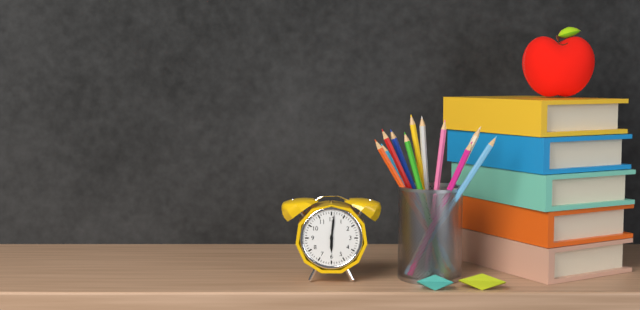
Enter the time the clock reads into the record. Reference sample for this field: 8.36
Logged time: 6.01
